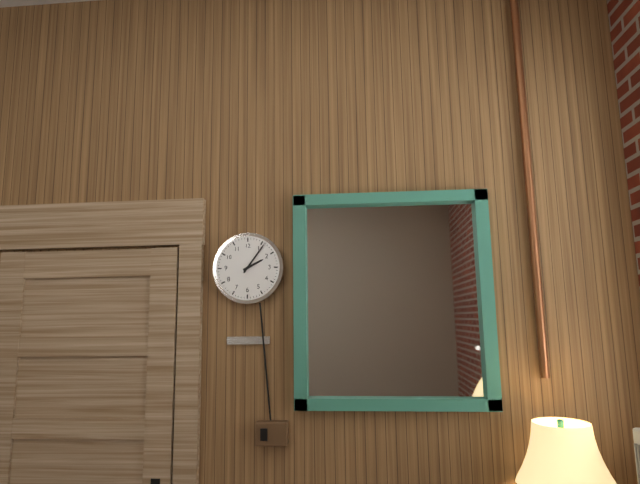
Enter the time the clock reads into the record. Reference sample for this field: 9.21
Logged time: 2.06
